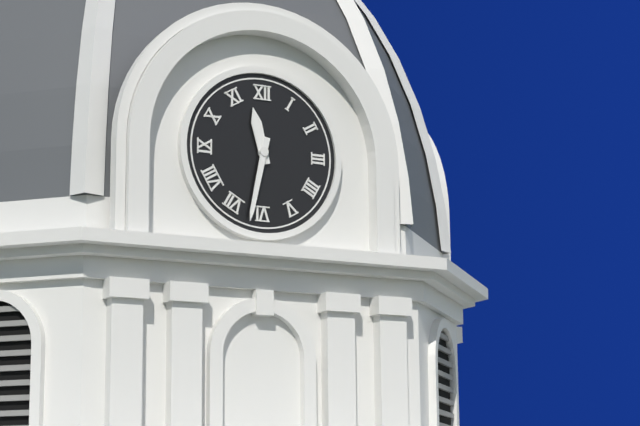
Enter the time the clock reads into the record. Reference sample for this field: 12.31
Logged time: 11.32
